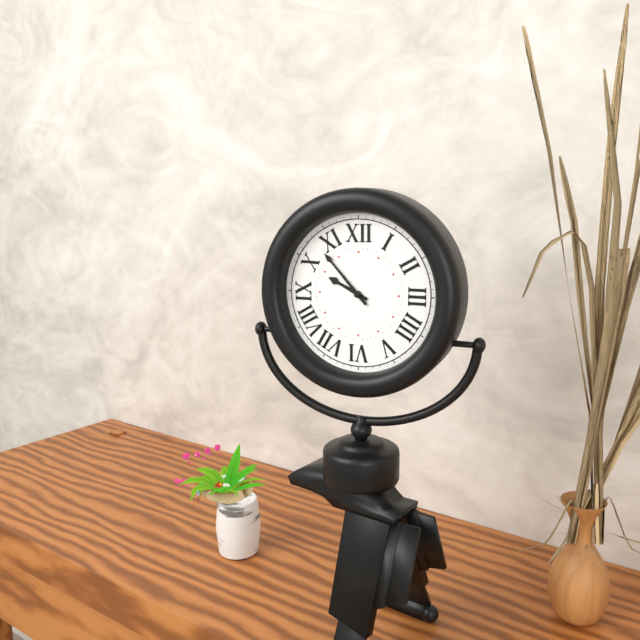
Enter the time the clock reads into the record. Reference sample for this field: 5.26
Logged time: 9.53
